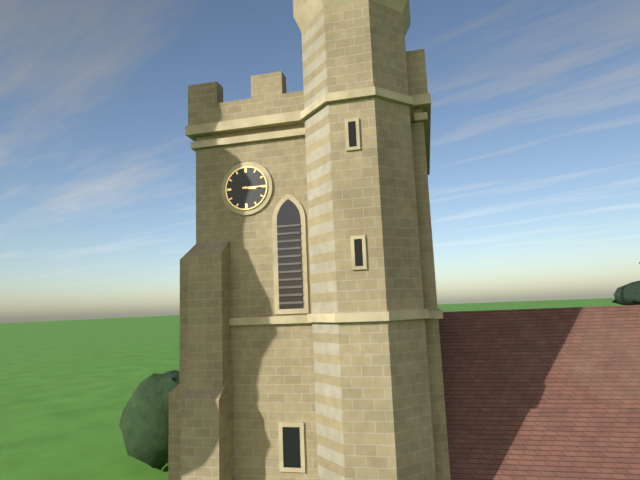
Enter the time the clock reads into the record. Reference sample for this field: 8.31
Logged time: 3.15
